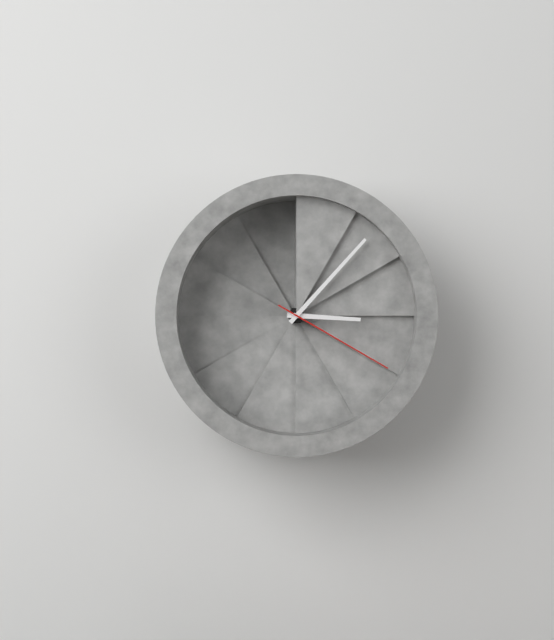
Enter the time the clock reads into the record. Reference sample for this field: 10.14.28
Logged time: 3.07.20
